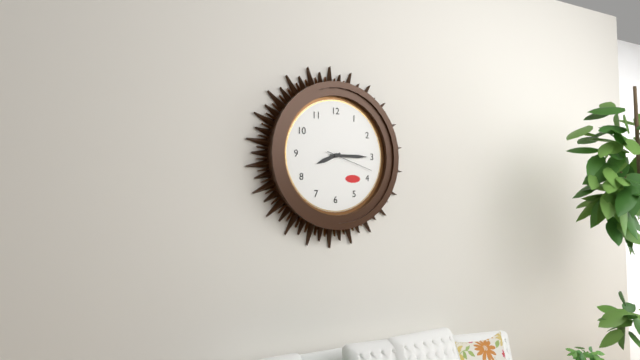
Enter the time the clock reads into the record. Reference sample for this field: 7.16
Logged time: 8.15
